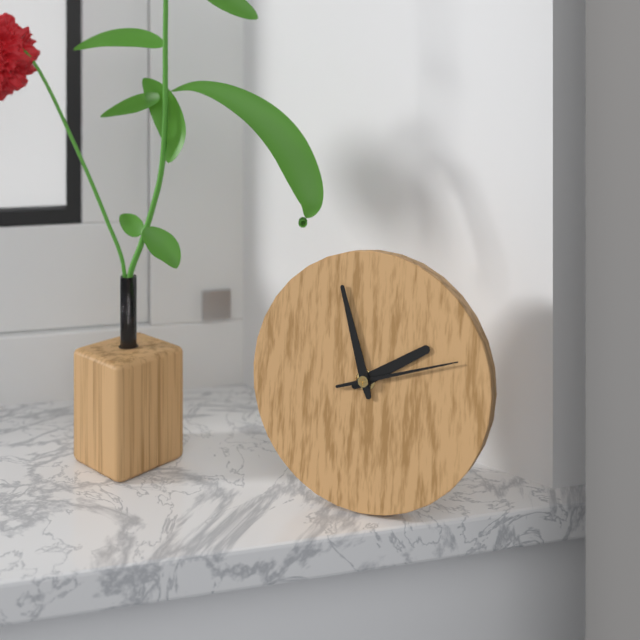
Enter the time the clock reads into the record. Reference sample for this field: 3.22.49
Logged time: 1.57.12
